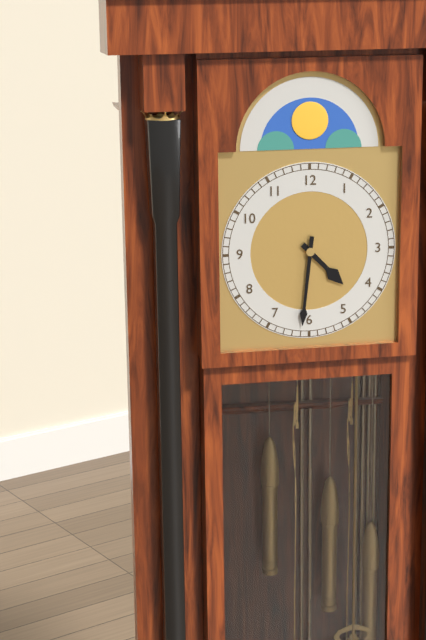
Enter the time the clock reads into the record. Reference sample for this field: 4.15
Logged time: 4.31
